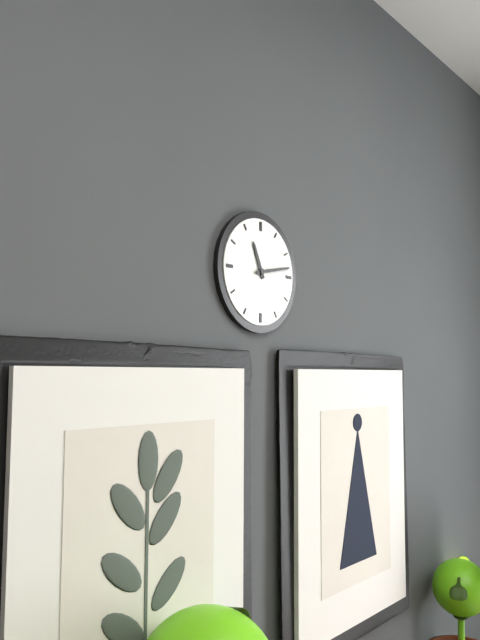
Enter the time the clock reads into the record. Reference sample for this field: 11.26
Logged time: 11.13
